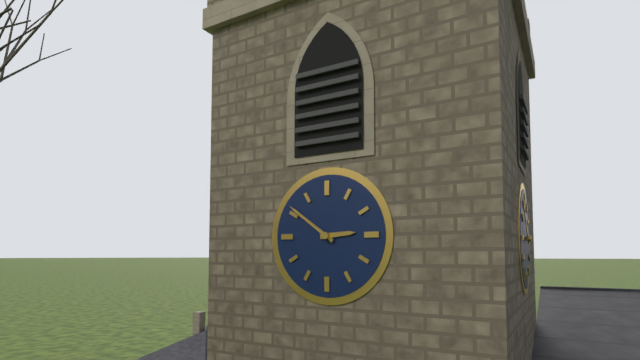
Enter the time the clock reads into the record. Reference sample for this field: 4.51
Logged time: 2.51
